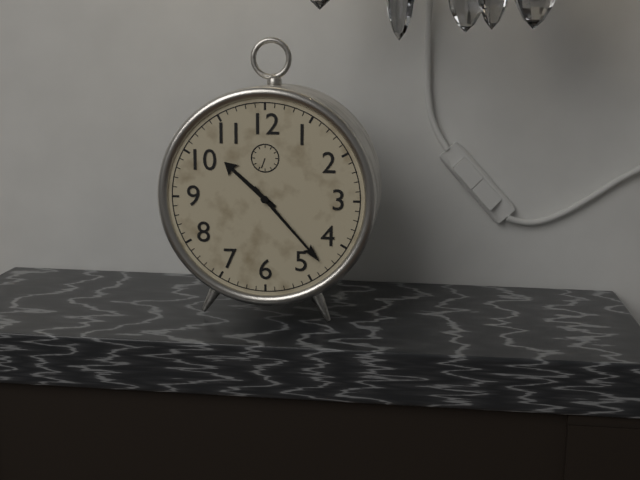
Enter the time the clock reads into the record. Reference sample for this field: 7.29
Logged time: 10.23
